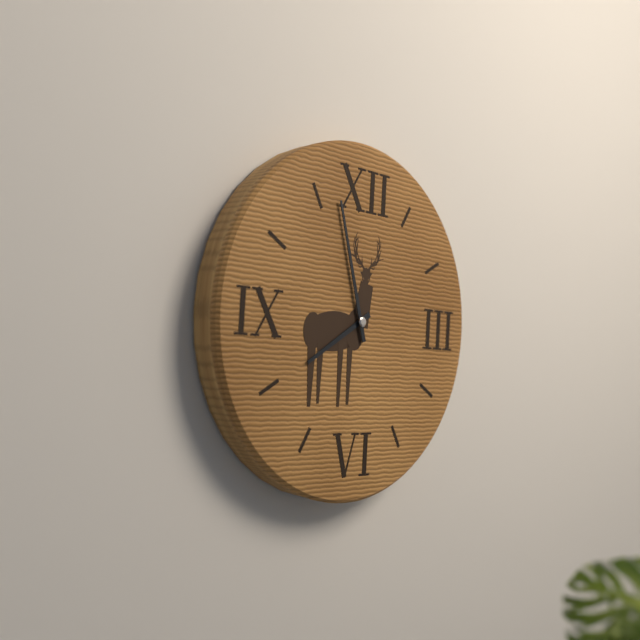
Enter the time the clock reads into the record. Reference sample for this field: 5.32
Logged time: 7.57
